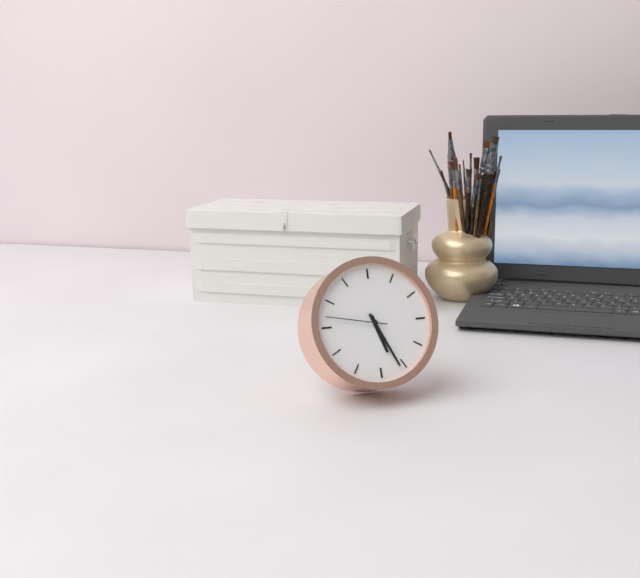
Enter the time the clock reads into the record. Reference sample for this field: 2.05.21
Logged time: 5.26.47
